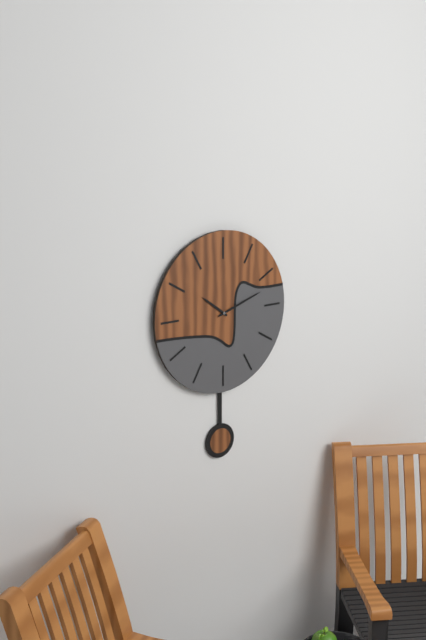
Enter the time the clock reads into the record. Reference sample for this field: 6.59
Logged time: 10.12
